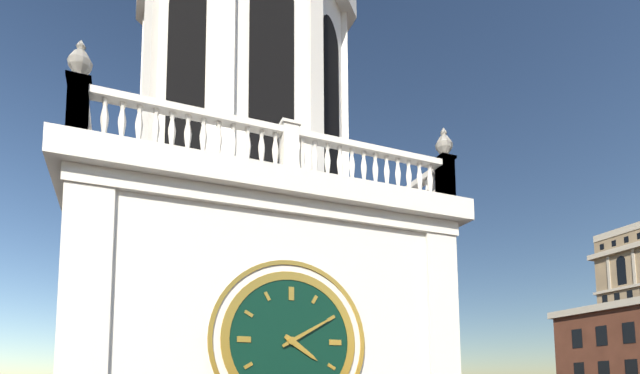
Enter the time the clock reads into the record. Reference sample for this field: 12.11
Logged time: 4.10
